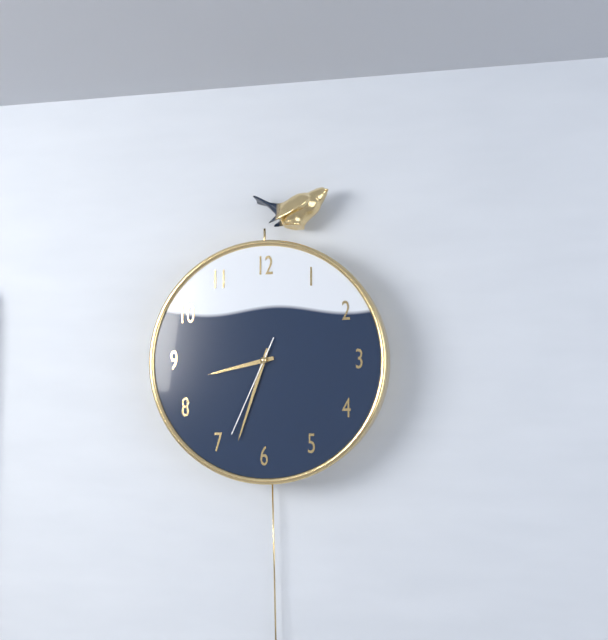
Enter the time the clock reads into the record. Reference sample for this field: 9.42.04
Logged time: 8.33.34
